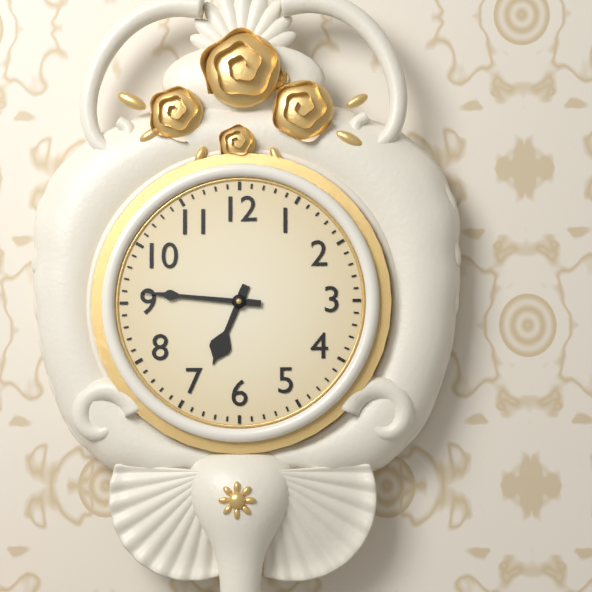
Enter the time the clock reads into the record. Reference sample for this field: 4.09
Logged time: 6.46
